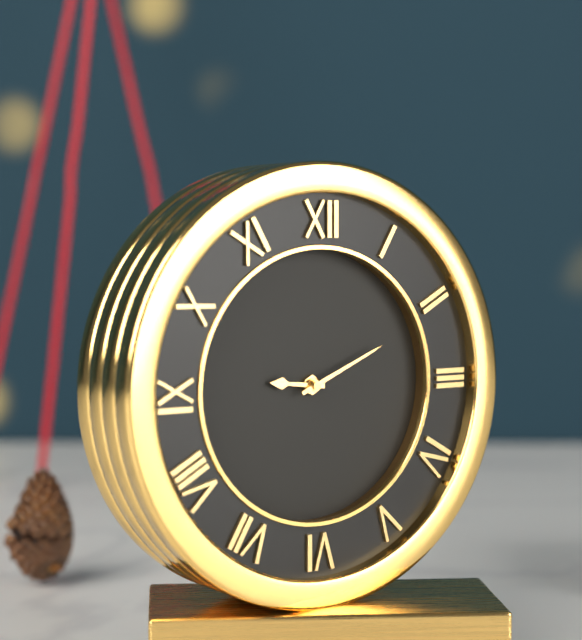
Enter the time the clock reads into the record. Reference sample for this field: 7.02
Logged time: 9.11
